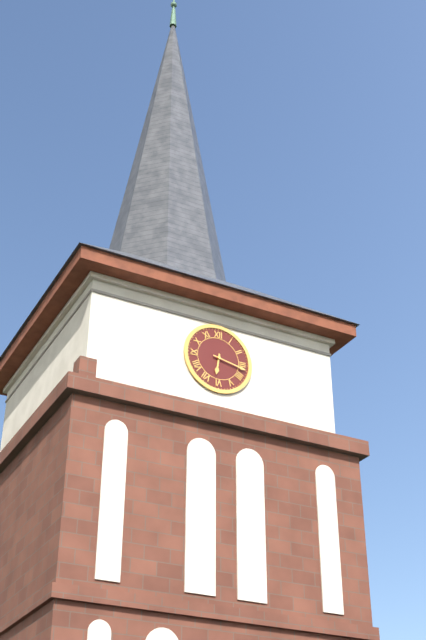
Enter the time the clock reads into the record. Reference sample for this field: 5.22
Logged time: 6.17
